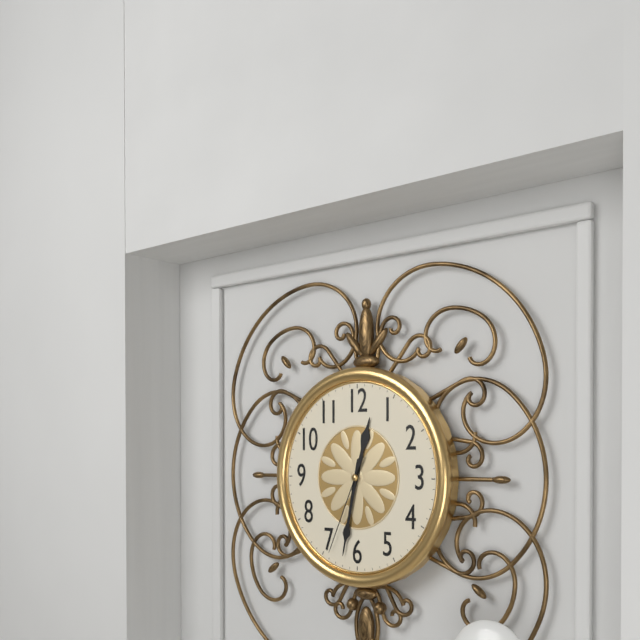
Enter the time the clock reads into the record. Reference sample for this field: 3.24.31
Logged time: 12.32.34
